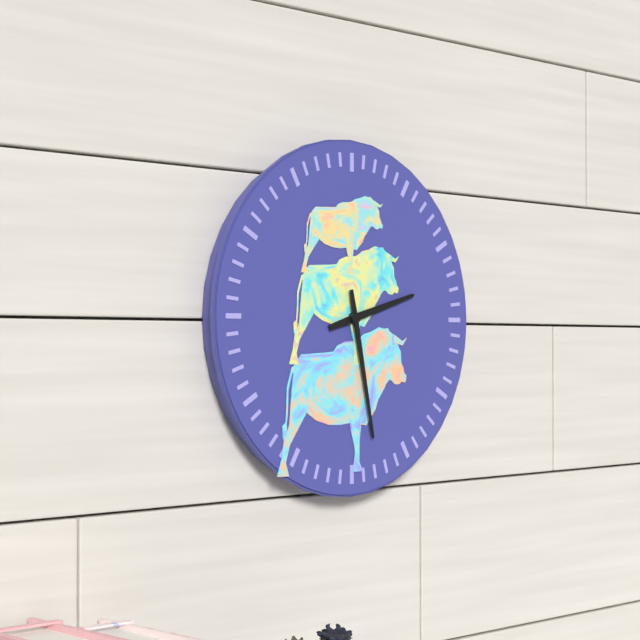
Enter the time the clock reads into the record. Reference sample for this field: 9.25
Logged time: 2.28
